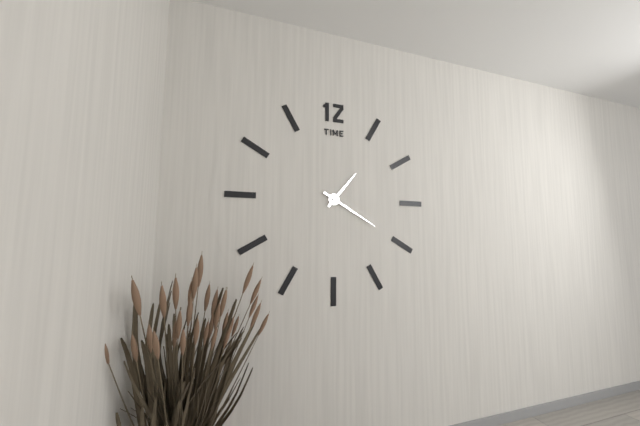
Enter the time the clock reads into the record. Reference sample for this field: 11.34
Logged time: 1.20
